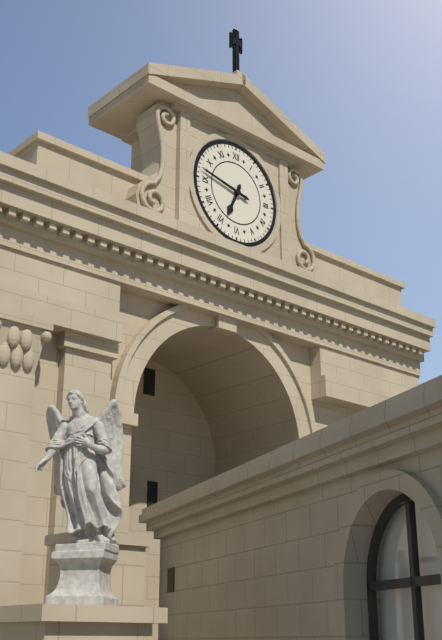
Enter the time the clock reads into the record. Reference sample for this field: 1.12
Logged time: 6.47
